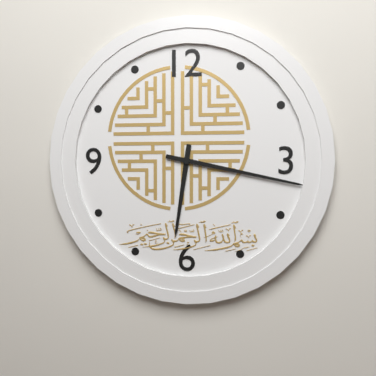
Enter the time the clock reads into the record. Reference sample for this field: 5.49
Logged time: 6.17
